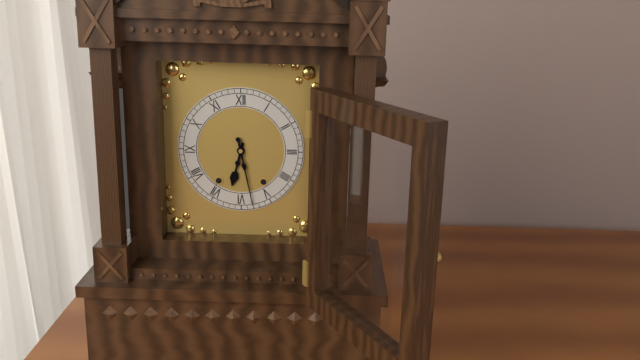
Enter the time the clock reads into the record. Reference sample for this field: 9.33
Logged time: 6.28
